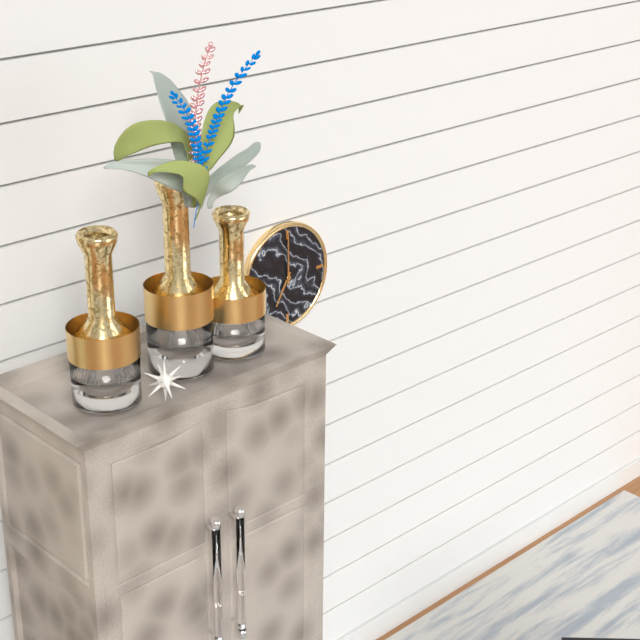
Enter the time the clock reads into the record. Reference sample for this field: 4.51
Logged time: 7.00
